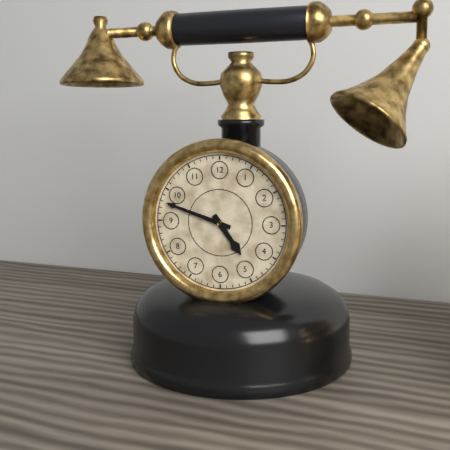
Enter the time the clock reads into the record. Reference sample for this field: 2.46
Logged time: 4.48
